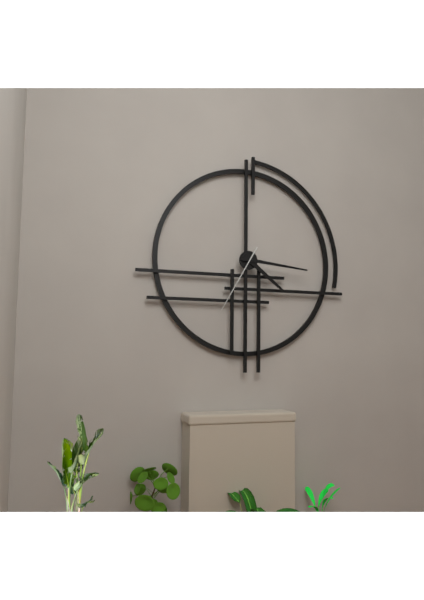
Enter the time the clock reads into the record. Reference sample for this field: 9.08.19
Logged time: 4.16.35
